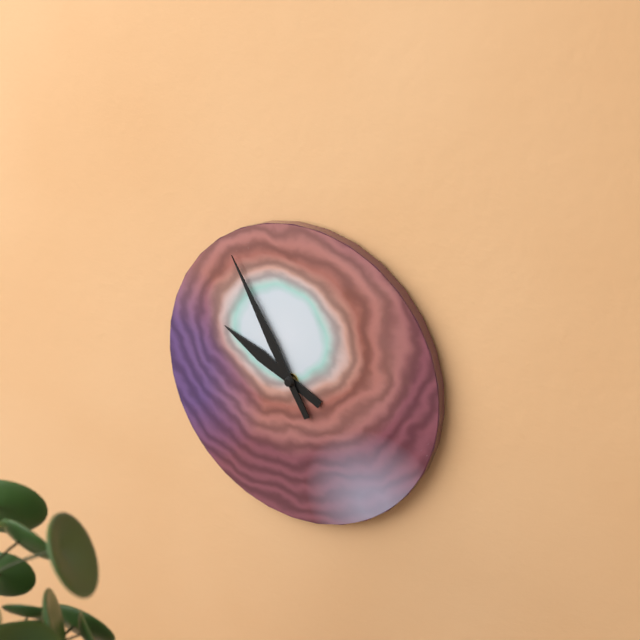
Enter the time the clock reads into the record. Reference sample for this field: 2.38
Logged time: 9.55
